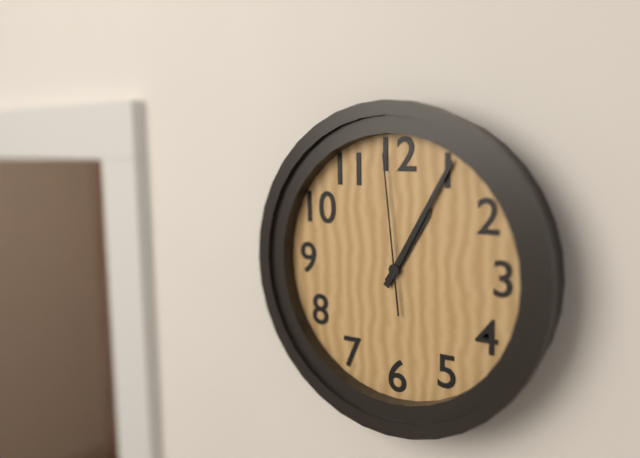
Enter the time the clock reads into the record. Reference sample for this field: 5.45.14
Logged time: 1.05.59
